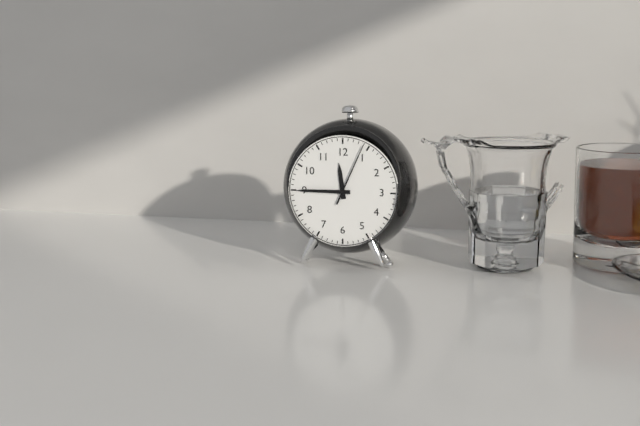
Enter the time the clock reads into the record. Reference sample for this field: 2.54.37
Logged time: 11.45.04
